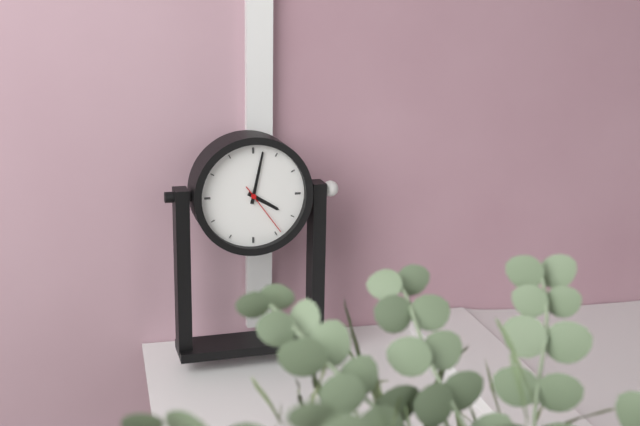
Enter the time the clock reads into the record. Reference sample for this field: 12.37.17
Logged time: 4.02.24
